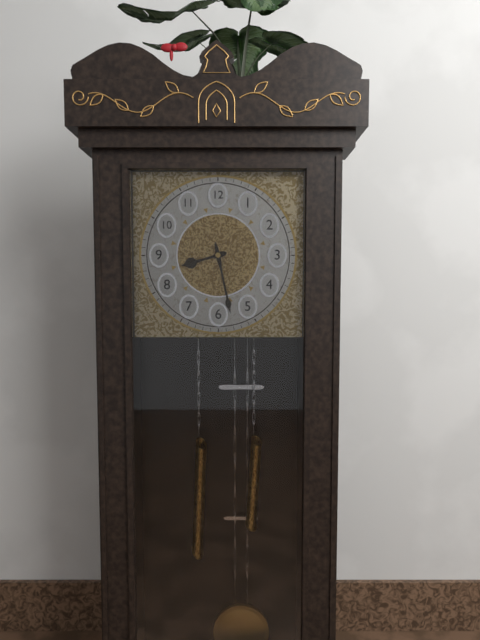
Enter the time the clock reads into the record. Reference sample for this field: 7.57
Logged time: 8.28
